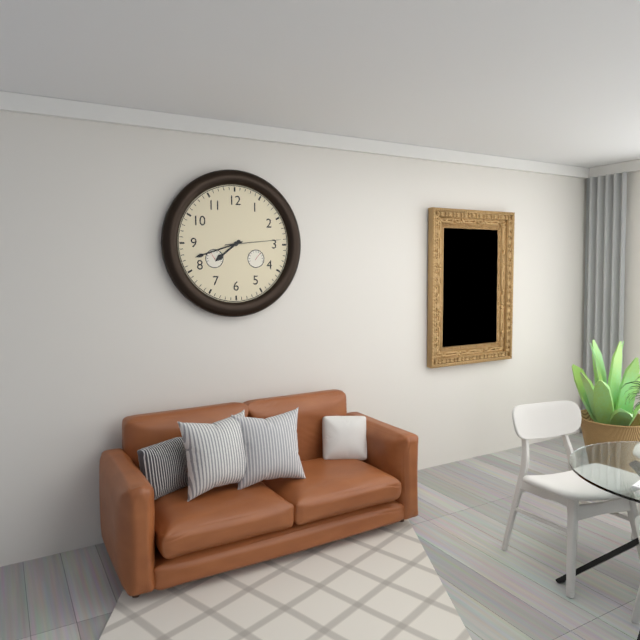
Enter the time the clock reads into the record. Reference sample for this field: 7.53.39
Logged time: 7.42.14
